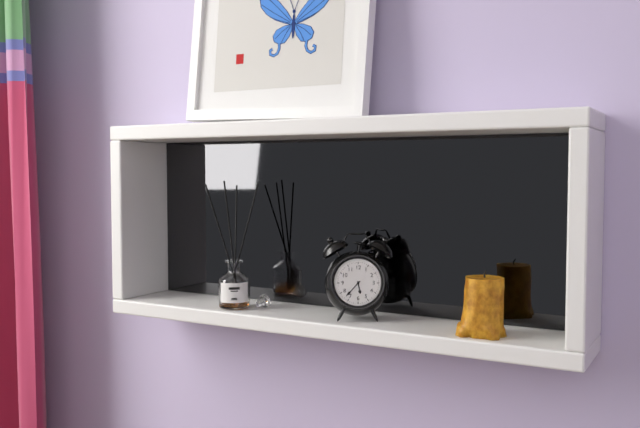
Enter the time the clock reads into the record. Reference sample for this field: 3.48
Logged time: 5.37
